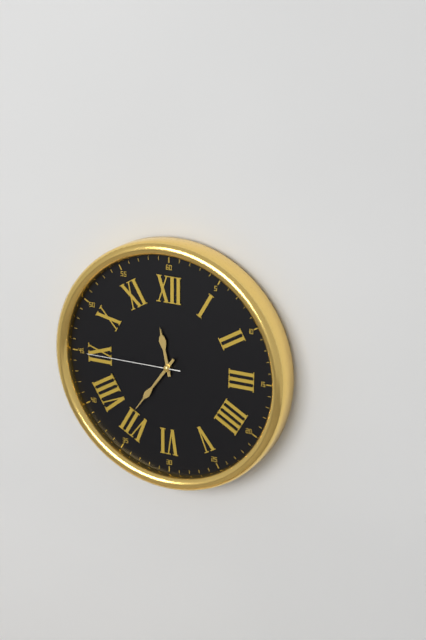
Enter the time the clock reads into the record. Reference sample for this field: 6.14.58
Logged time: 11.36.45
